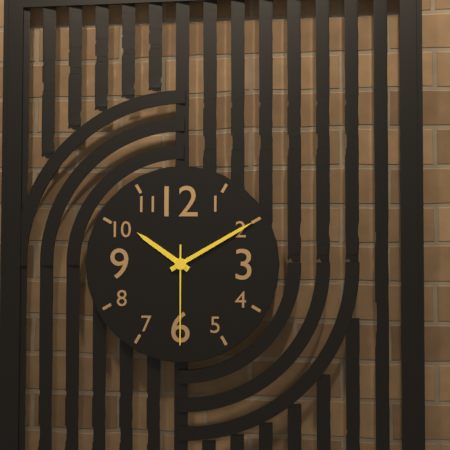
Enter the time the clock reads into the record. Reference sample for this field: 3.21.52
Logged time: 10.10.30
